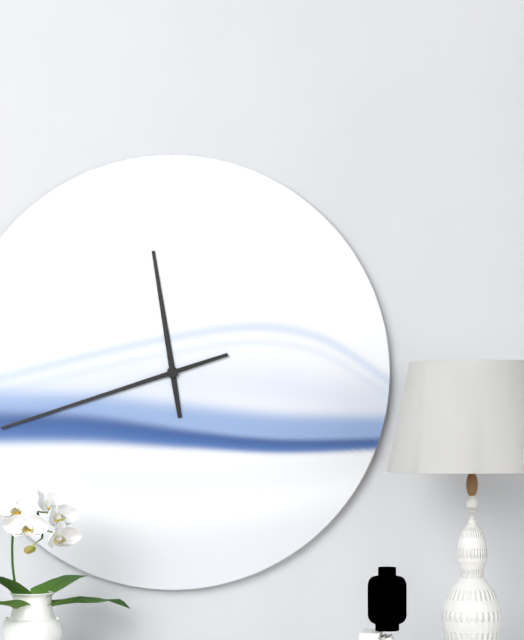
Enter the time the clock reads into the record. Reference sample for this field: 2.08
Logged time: 11.42
